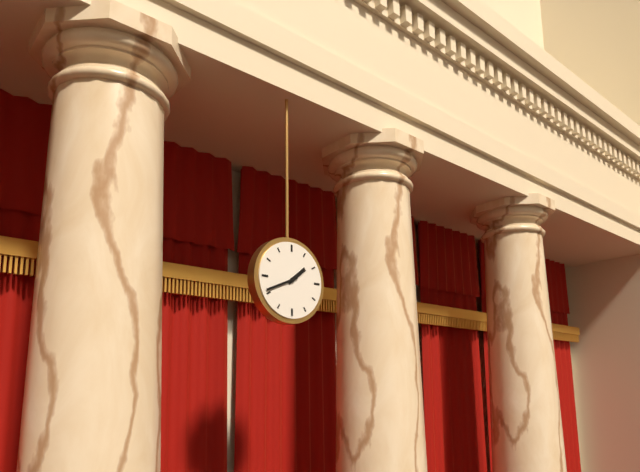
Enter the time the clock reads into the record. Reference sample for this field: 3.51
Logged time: 1.41
